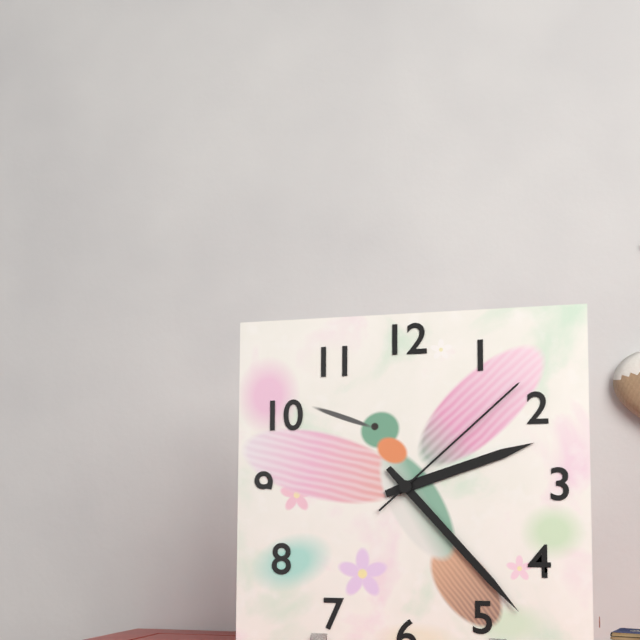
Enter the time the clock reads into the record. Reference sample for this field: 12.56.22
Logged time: 2.23.08
